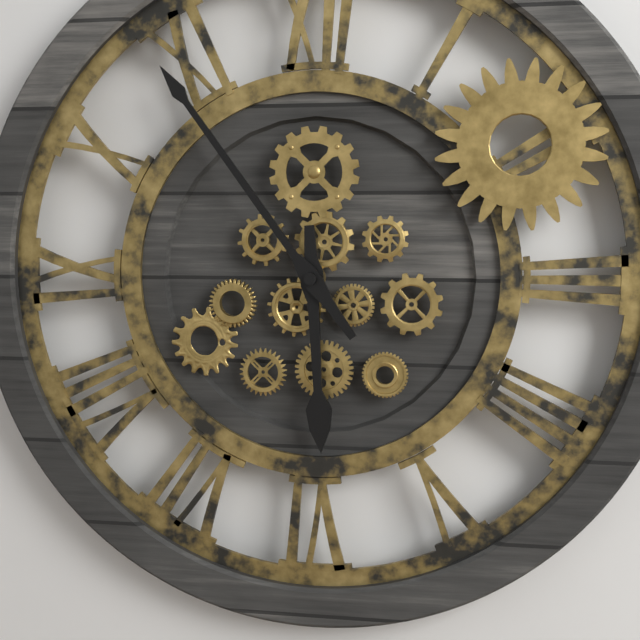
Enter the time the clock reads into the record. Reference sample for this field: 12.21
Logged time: 5.54
